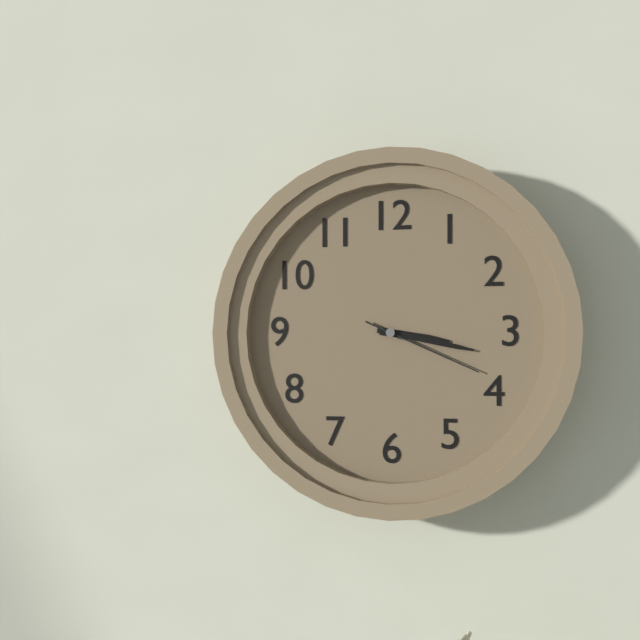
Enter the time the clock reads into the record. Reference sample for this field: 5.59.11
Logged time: 3.17.19
